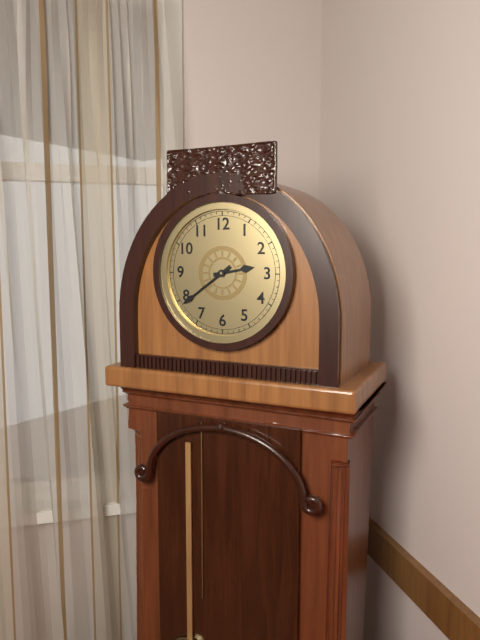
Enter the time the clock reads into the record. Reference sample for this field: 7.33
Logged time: 2.39
